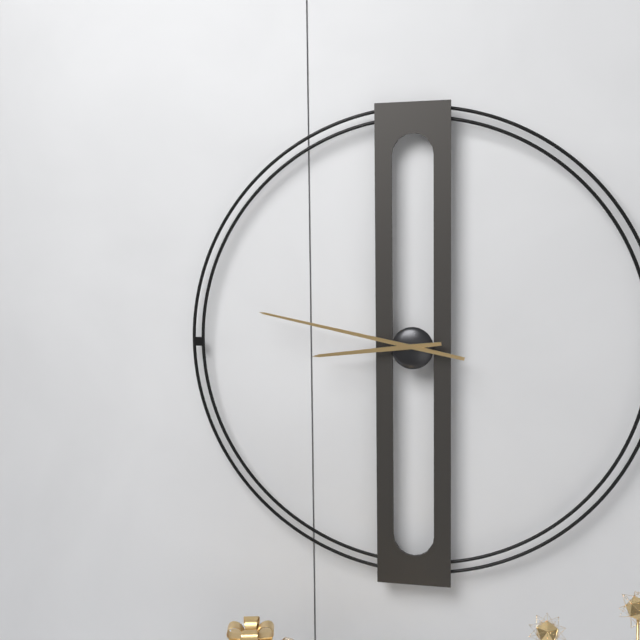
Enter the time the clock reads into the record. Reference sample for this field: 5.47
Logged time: 8.47
